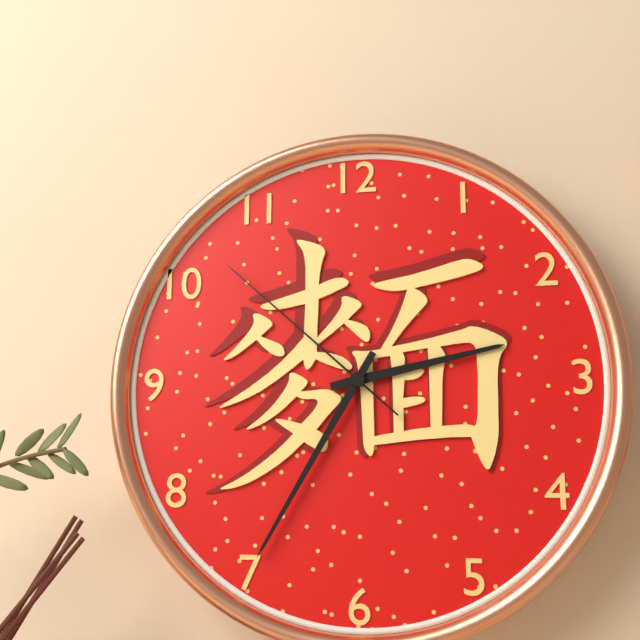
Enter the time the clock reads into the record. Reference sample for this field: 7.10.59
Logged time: 2.35.52
